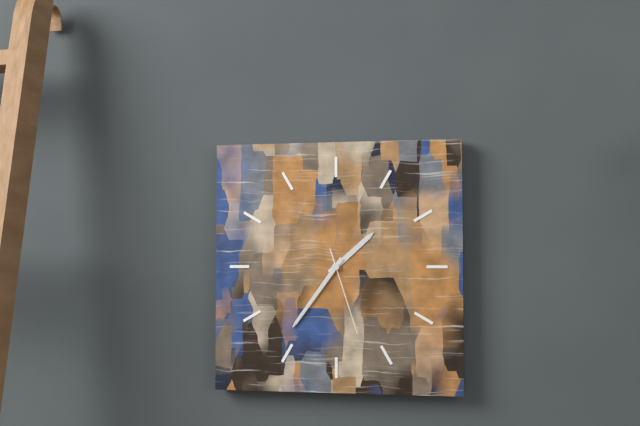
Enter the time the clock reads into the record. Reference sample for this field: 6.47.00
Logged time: 1.36.27
